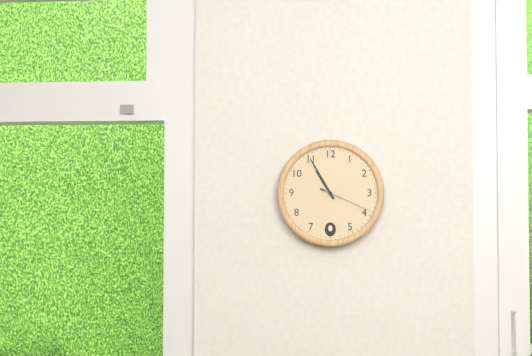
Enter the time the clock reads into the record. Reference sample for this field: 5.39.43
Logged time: 10.55.19
